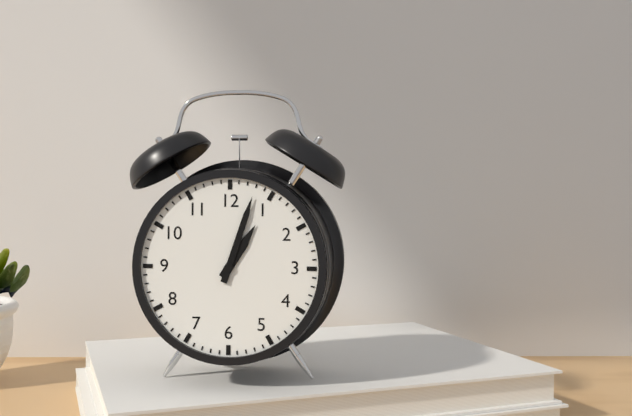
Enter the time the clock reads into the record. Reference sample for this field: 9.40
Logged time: 1.03
